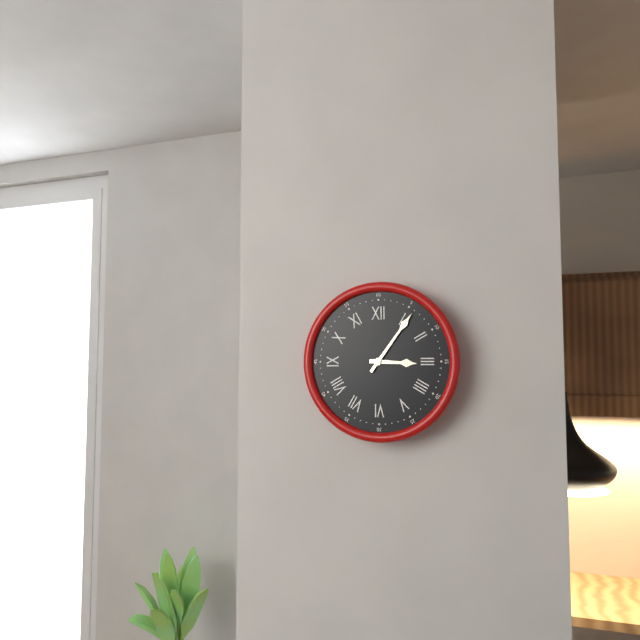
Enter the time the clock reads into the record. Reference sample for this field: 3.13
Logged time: 3.06
